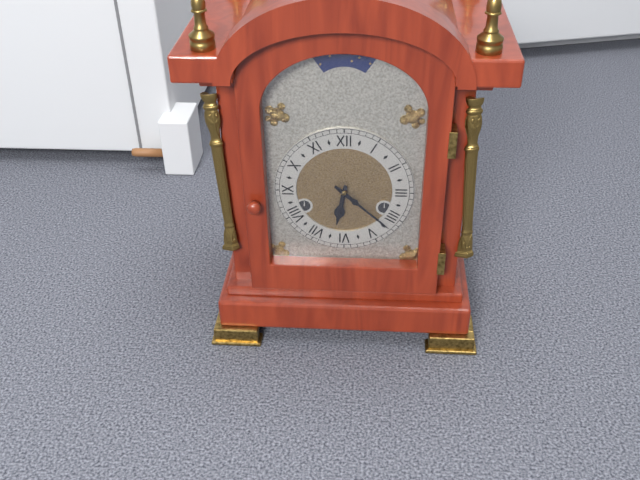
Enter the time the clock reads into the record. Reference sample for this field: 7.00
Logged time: 6.22
